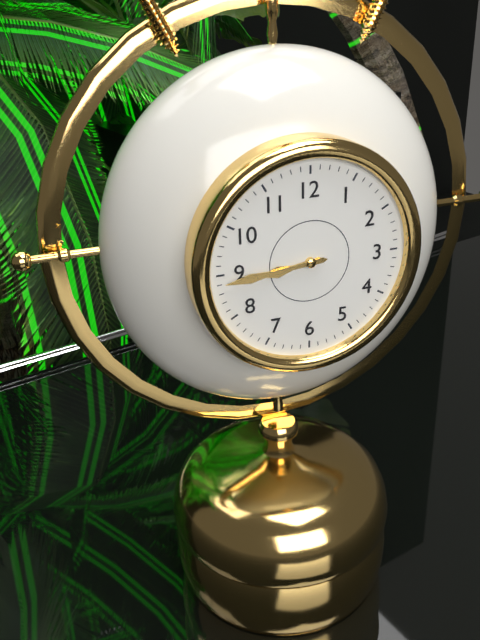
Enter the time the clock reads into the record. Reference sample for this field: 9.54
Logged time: 8.44
